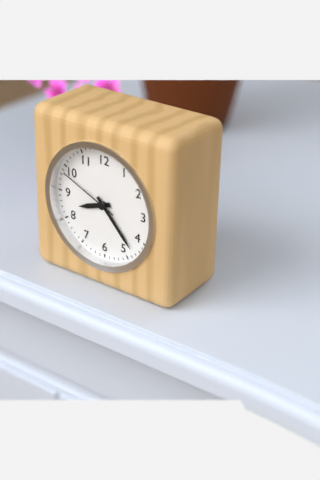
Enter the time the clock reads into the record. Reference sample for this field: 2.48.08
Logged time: 8.23.49
